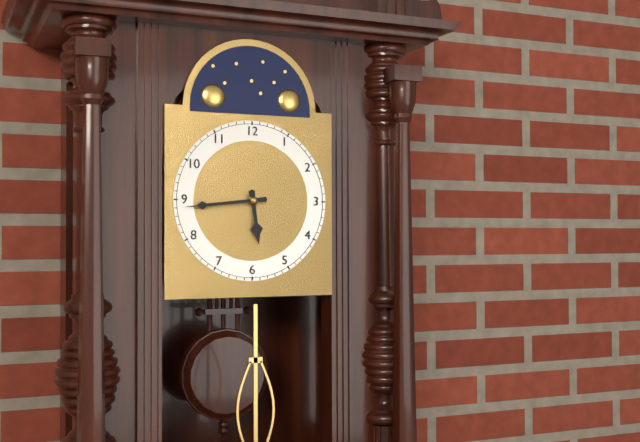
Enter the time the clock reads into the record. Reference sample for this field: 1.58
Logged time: 5.44
